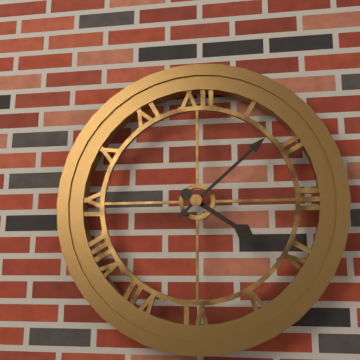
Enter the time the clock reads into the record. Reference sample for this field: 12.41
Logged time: 4.08
